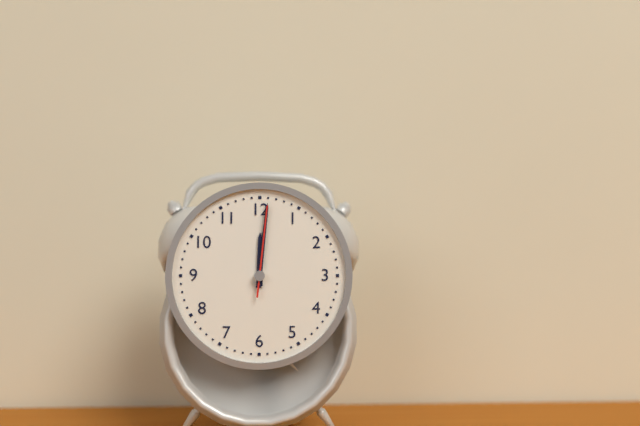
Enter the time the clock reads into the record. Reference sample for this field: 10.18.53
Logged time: 12.01.01
